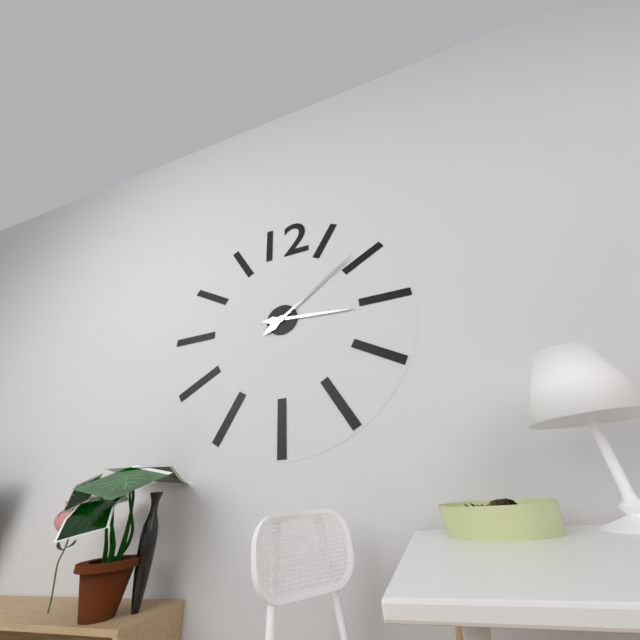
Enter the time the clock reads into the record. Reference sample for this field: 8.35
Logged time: 3.09
